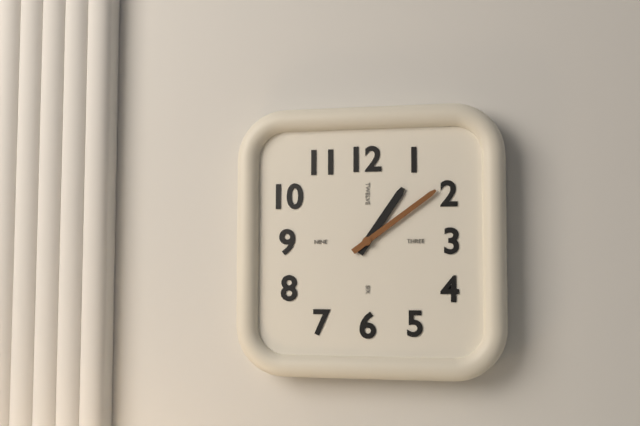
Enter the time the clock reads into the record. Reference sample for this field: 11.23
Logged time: 1.09
